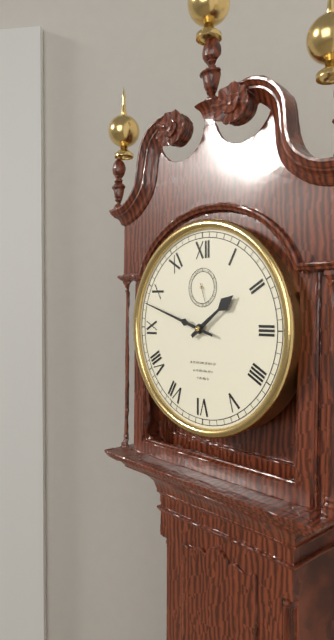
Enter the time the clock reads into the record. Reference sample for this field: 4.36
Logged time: 1.48
